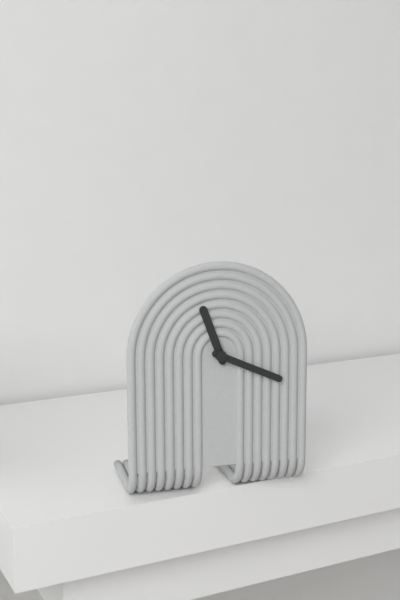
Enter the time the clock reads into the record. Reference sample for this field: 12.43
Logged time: 11.19
